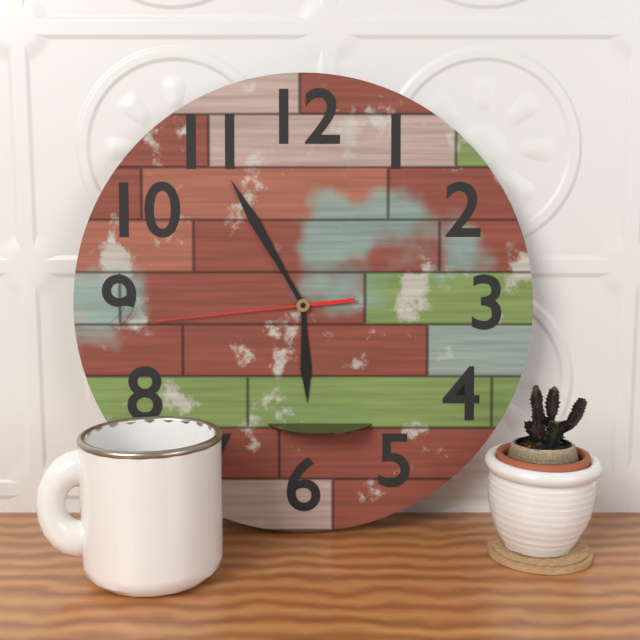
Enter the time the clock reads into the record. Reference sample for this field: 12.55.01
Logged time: 5.55.44
